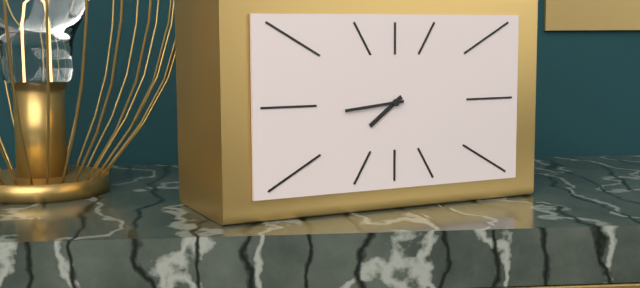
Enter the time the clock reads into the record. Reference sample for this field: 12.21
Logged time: 7.44
